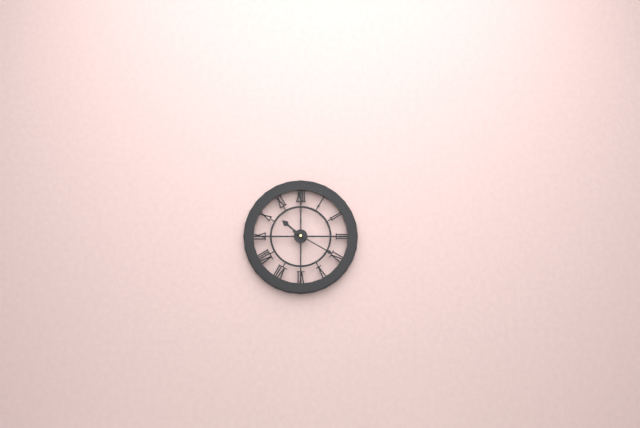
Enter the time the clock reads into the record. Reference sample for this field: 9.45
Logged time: 10.20
